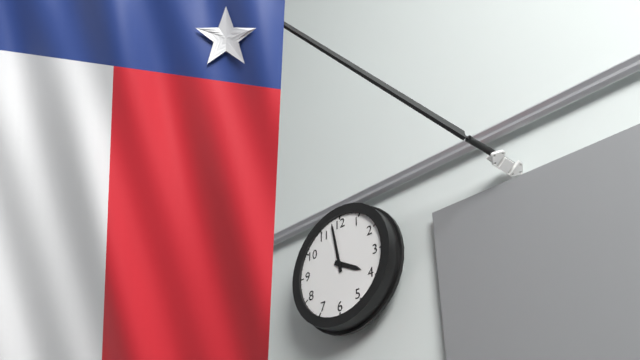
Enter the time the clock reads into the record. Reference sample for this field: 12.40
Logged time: 3.58
